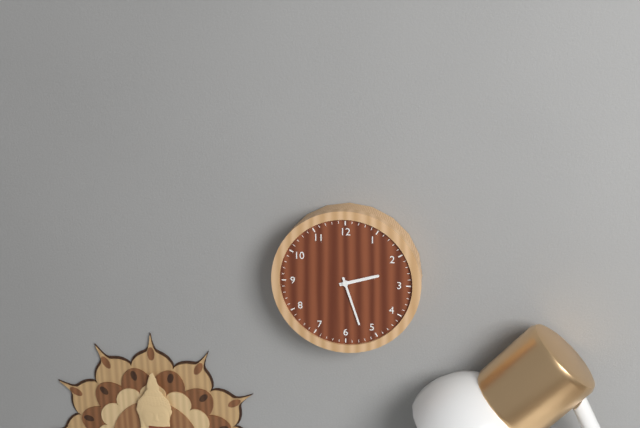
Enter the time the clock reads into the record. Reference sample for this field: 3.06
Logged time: 2.27
